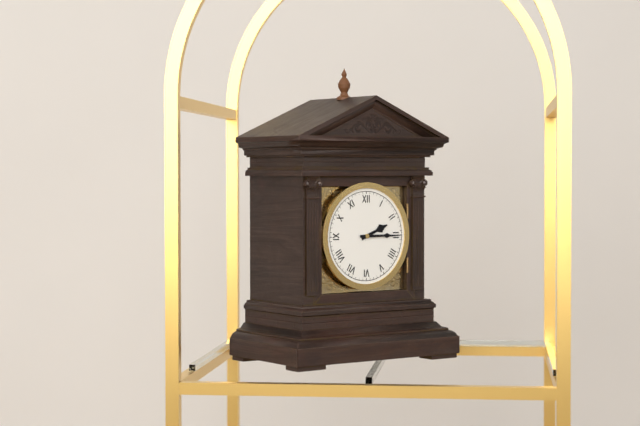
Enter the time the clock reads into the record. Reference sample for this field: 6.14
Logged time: 2.15
